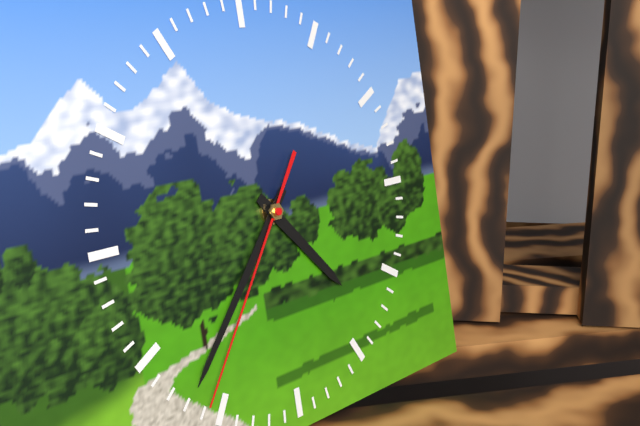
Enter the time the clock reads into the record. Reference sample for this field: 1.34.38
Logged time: 4.37.36
